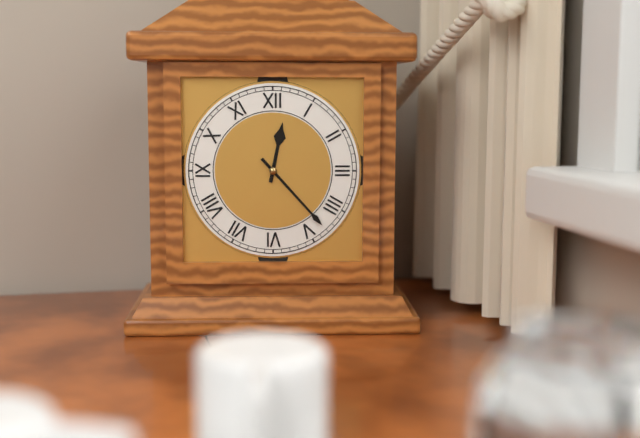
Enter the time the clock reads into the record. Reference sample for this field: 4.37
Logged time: 12.23
